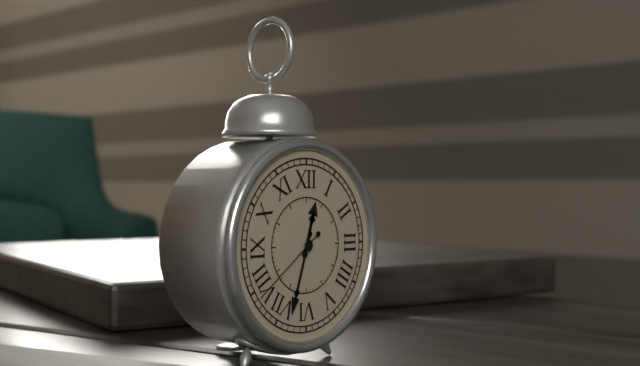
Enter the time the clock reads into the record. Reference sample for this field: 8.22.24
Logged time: 12.33.39
